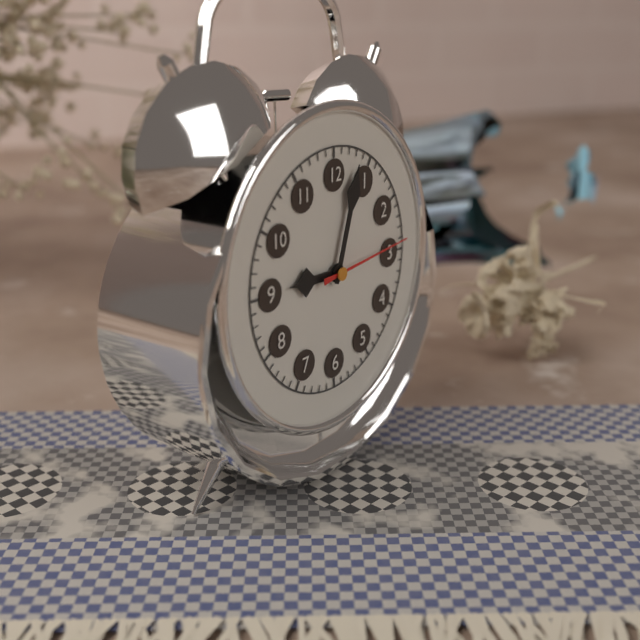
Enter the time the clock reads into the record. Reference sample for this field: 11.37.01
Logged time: 9.03.14
